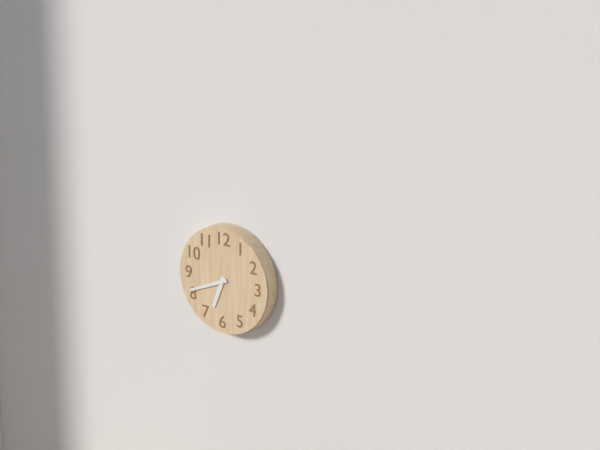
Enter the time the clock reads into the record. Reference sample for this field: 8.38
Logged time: 6.41
